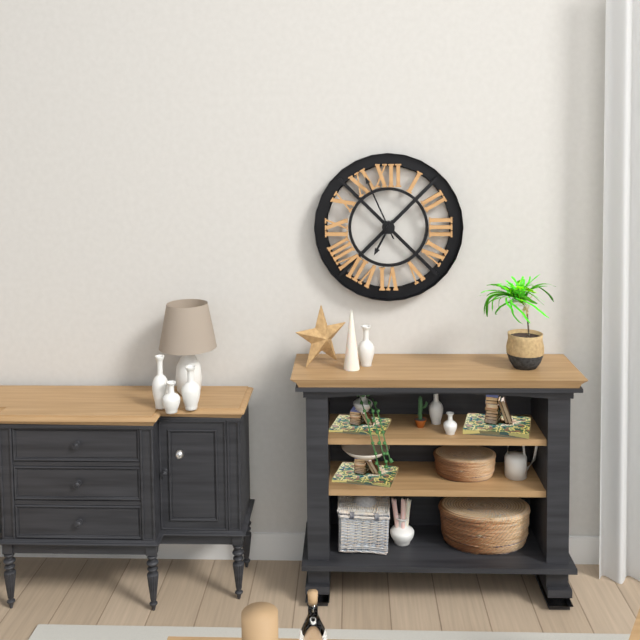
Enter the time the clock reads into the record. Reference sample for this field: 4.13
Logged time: 6.56
